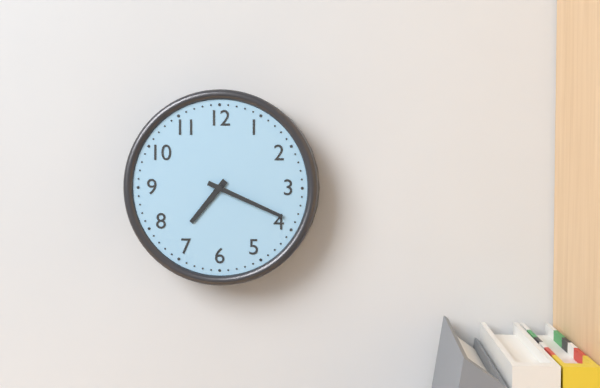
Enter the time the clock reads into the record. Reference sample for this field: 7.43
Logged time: 7.19
